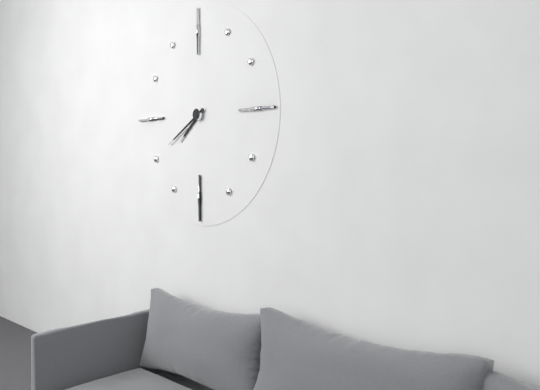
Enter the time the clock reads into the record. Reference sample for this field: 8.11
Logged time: 7.40
